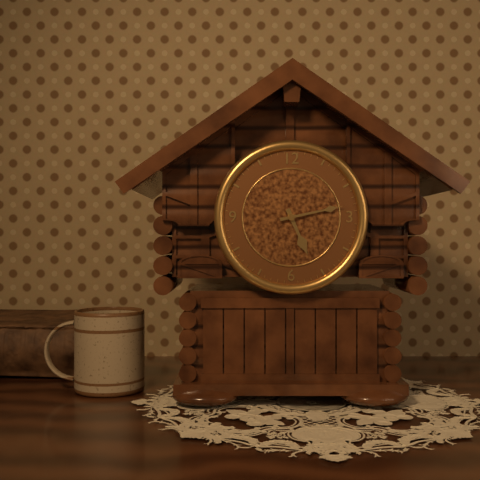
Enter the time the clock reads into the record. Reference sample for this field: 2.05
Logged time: 5.13
